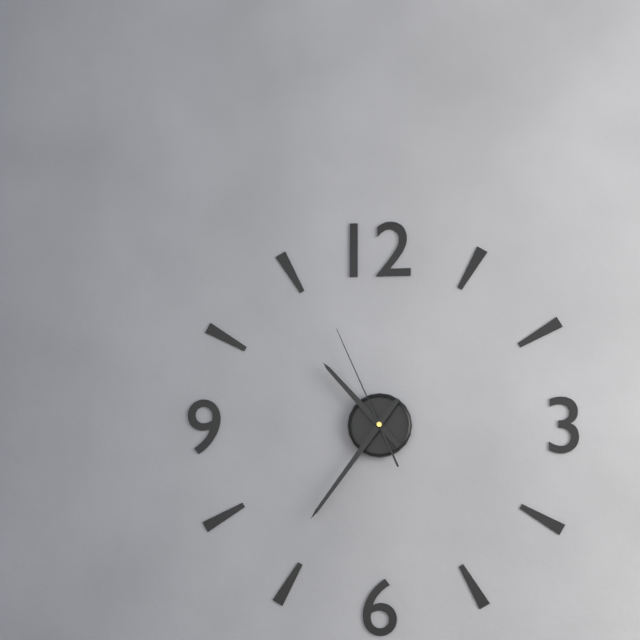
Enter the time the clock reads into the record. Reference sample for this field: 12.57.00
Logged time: 10.36.56
